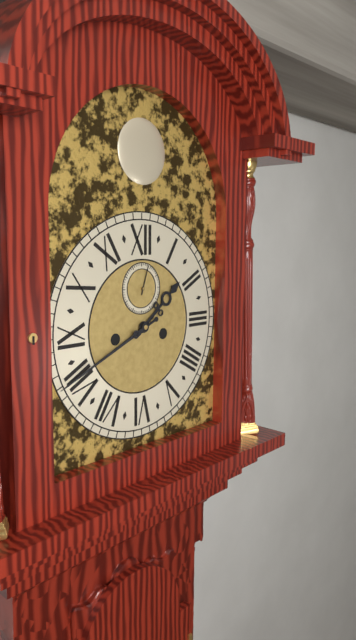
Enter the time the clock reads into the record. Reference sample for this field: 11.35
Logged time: 1.41
